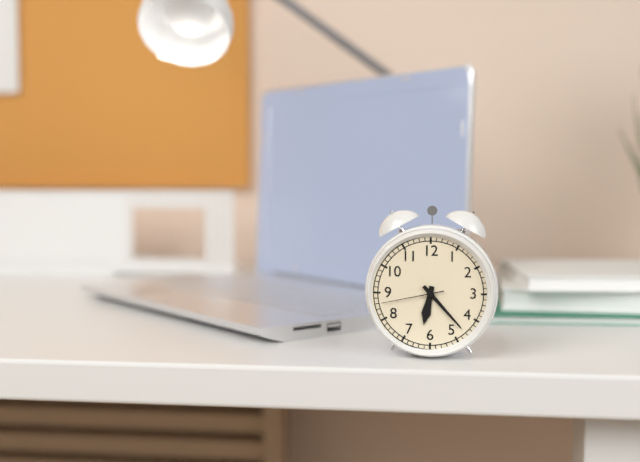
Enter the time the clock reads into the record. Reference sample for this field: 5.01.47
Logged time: 6.23.43
